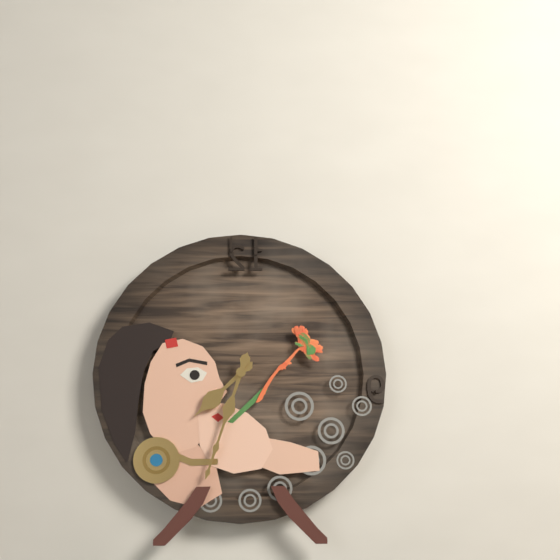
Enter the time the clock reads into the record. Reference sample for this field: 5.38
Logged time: 7.33
